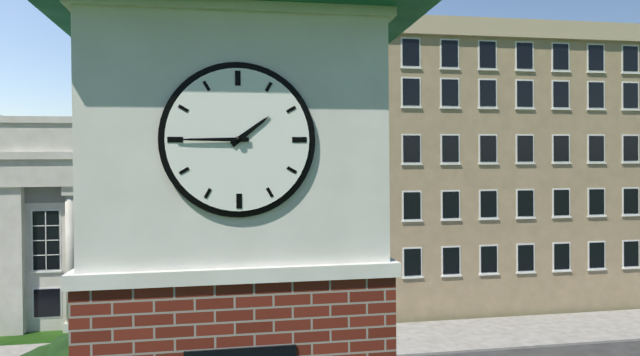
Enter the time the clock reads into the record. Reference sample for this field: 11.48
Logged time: 1.45
